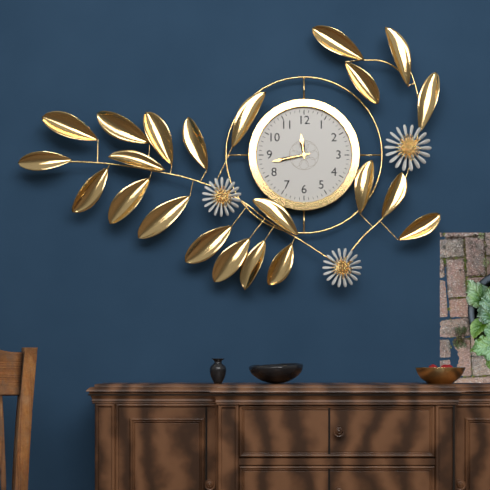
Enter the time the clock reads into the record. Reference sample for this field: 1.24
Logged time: 11.43
